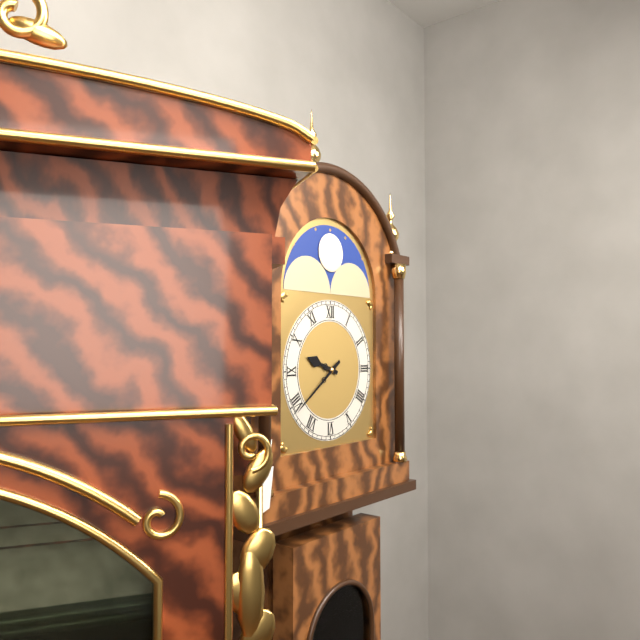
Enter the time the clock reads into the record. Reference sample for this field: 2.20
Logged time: 9.39
